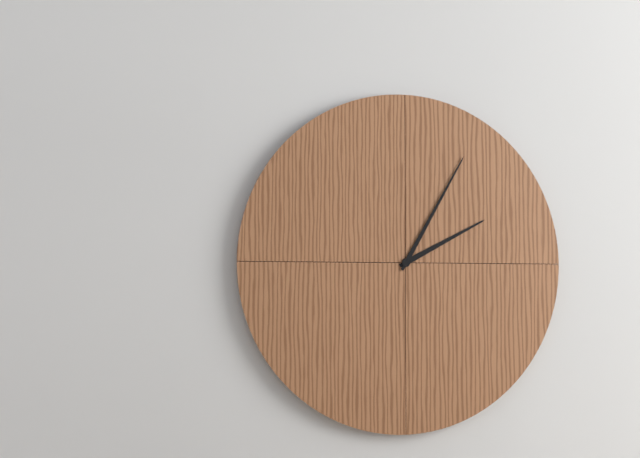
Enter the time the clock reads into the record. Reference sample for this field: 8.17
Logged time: 2.05
